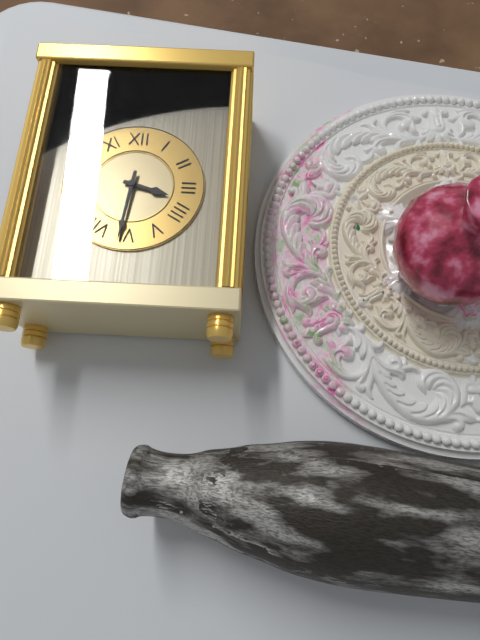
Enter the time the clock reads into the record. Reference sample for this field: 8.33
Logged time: 3.31
